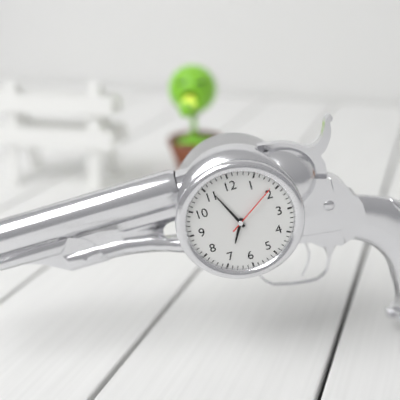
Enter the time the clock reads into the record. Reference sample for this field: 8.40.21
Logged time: 6.56.09
